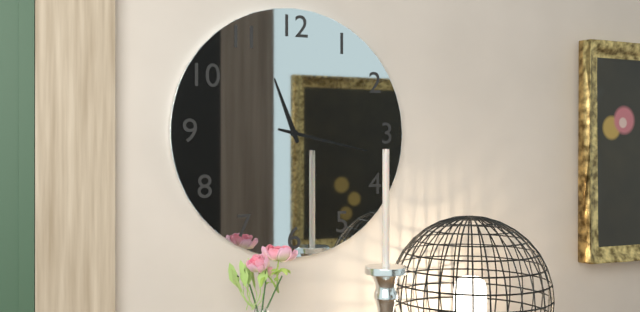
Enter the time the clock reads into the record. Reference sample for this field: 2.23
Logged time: 11.17
